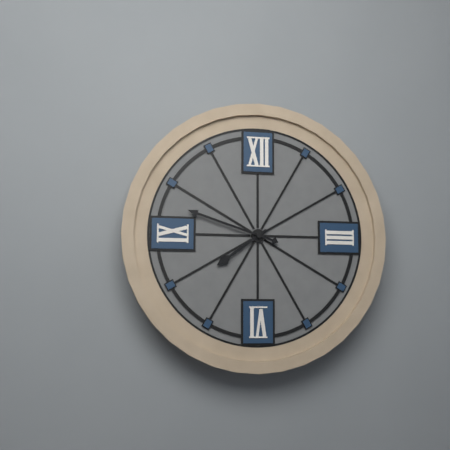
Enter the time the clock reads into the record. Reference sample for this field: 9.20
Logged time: 7.48
